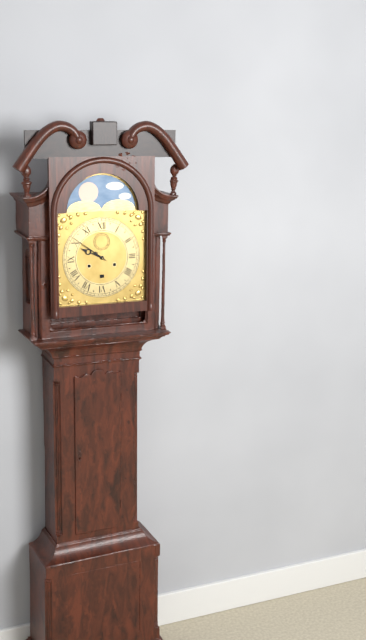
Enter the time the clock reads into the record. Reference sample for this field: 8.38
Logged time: 9.51
